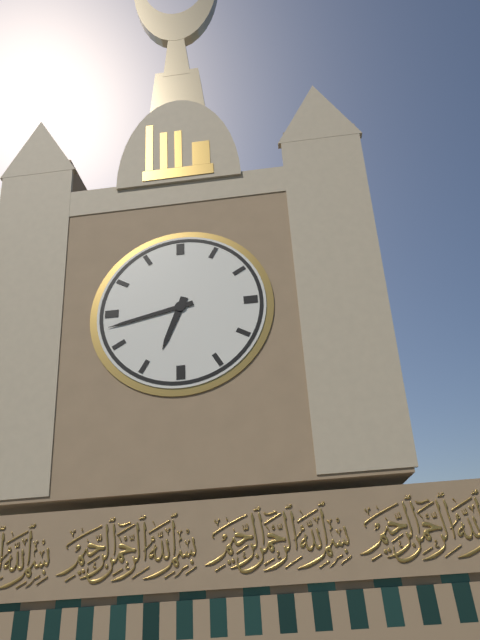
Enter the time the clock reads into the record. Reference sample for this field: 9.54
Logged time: 6.43
